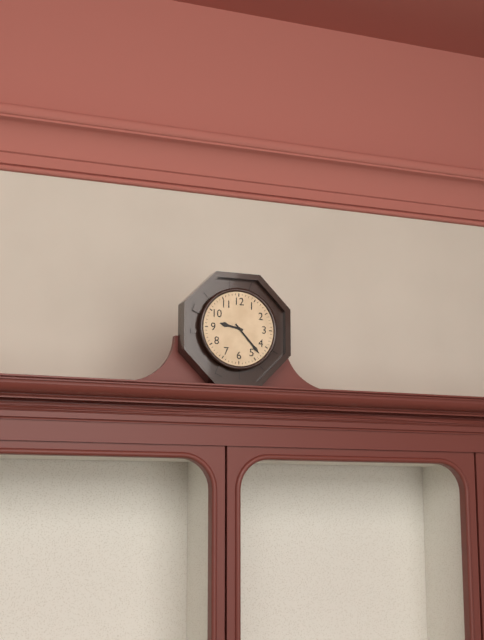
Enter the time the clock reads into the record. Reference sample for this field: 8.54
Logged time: 9.23
